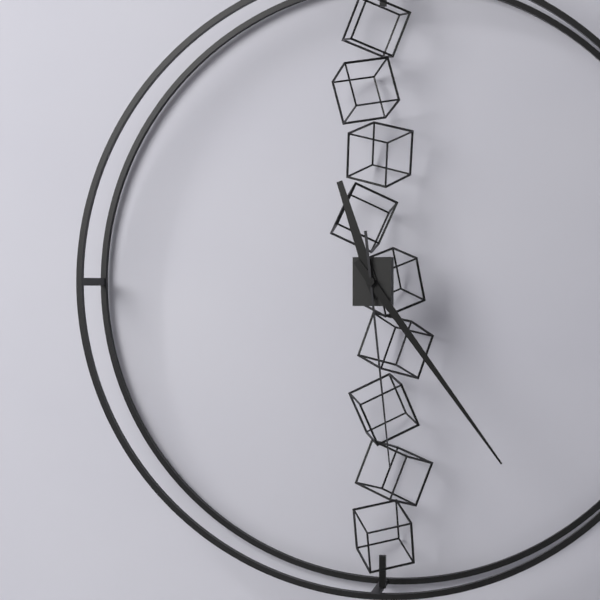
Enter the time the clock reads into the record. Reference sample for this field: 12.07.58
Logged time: 11.24.29
